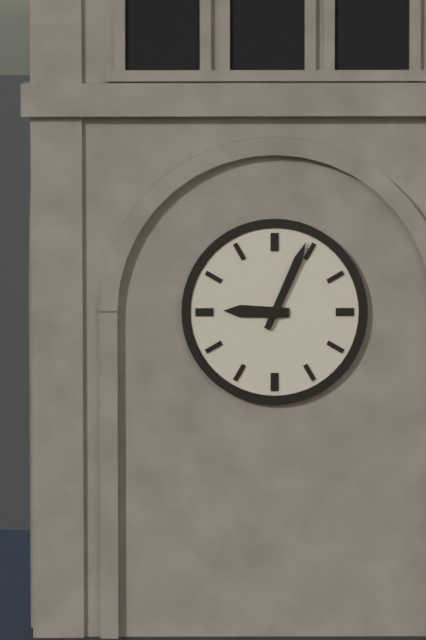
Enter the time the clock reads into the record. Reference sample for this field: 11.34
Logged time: 9.04
